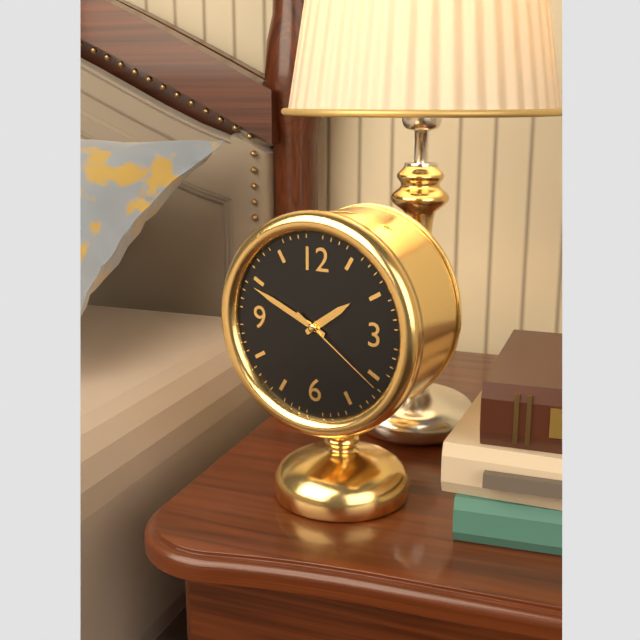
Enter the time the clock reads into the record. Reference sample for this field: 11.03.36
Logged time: 1.49.21
